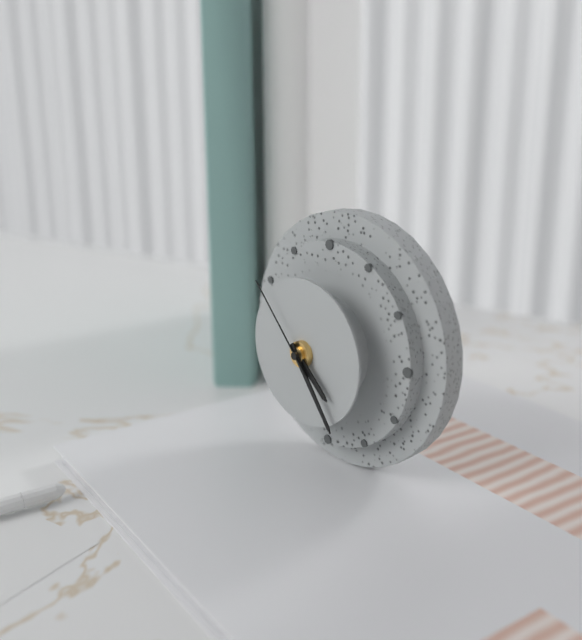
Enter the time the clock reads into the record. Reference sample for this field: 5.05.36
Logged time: 4.24.53
